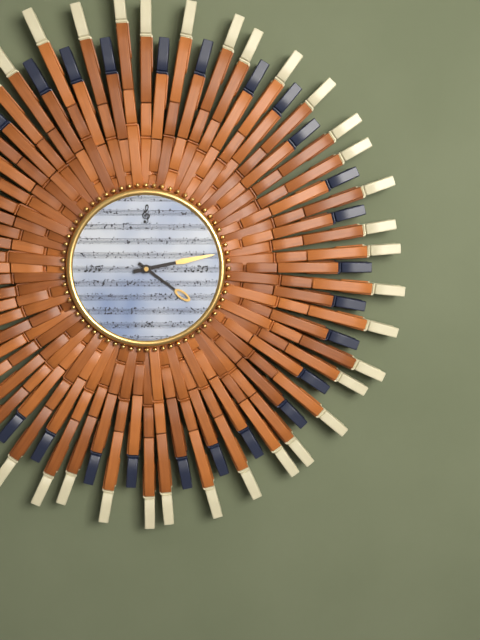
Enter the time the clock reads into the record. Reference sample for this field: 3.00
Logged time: 4.13
